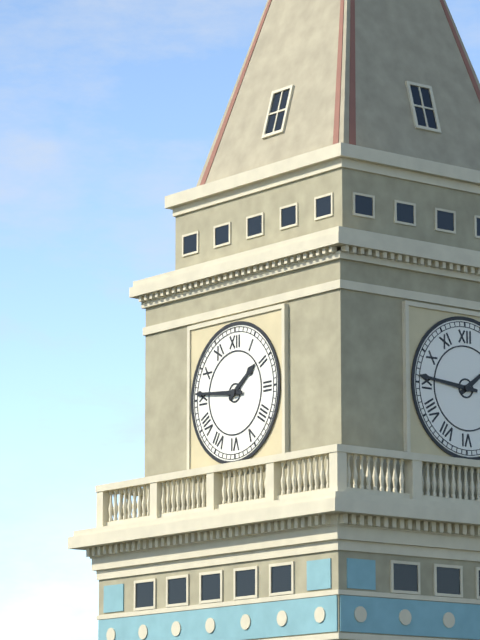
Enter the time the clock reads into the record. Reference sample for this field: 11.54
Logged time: 1.46
